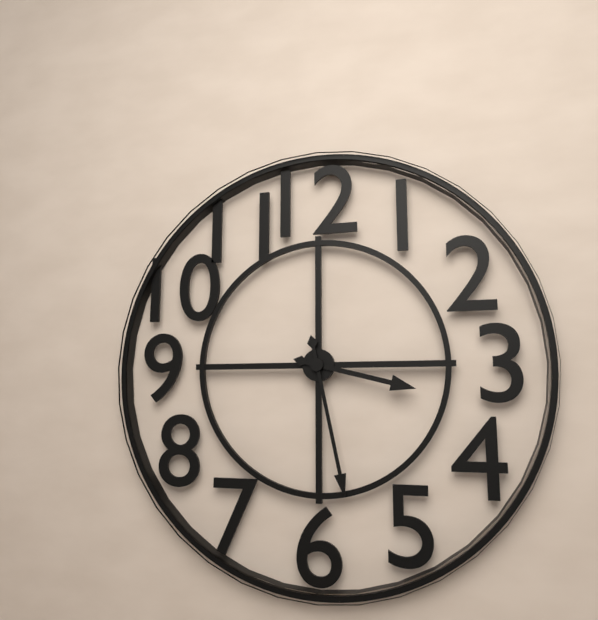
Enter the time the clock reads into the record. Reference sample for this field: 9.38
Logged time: 3.28
